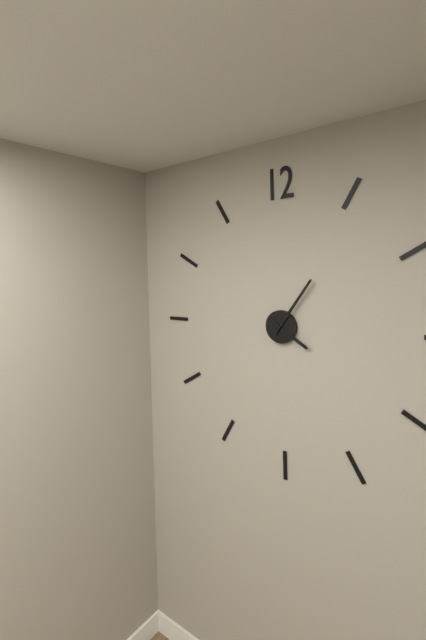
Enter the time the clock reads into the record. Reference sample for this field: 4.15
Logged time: 4.06
